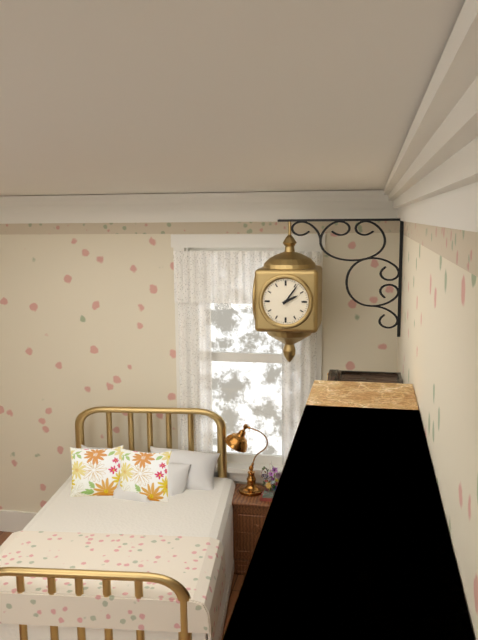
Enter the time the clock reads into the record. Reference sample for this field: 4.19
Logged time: 2.06
